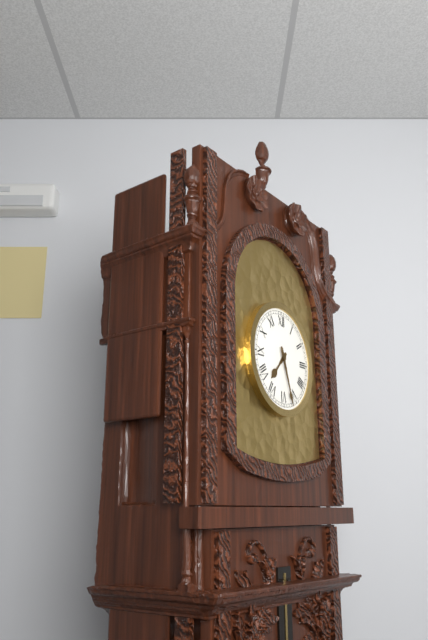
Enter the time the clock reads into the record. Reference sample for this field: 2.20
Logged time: 7.27
